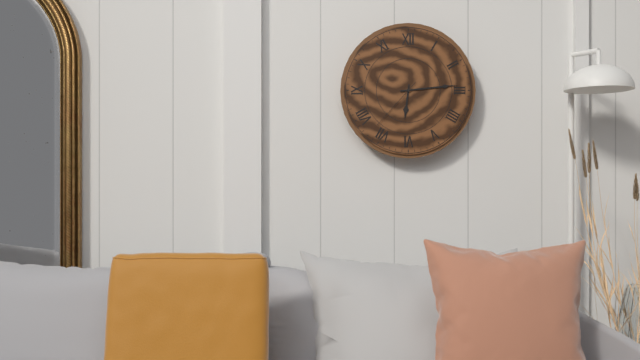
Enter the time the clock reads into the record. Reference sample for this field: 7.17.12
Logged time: 6.14.37
